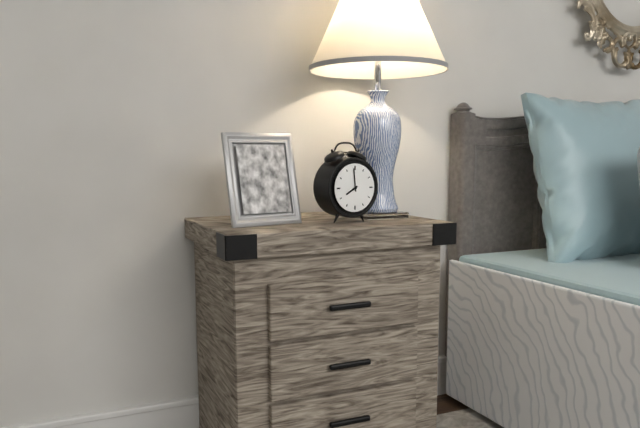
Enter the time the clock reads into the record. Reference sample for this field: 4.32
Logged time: 7.59
